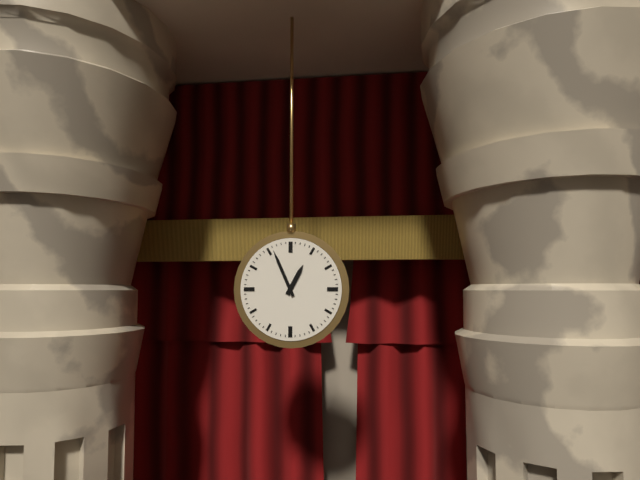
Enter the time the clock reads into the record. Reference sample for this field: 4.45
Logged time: 12.56
